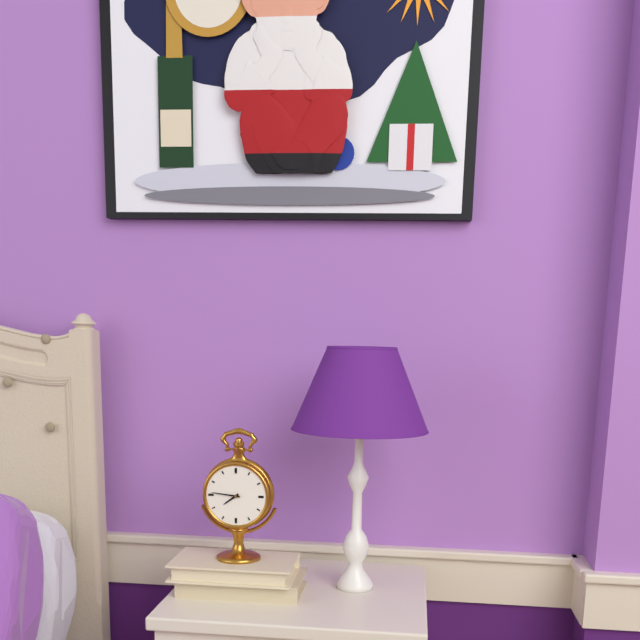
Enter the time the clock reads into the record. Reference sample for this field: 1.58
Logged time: 7.46
